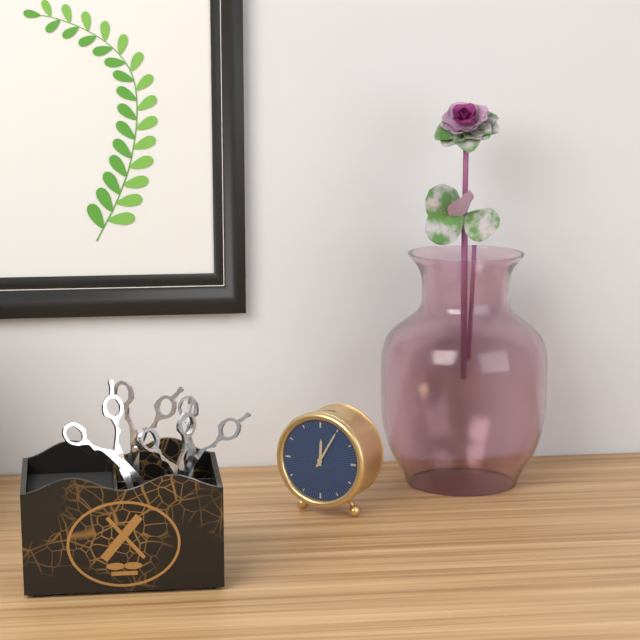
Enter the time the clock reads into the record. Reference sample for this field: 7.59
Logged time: 12.05
